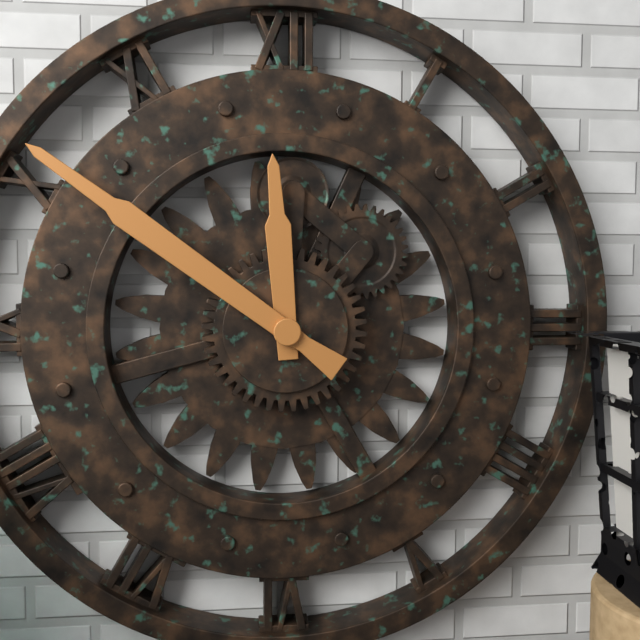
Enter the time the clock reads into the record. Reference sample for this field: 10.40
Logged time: 11.51
